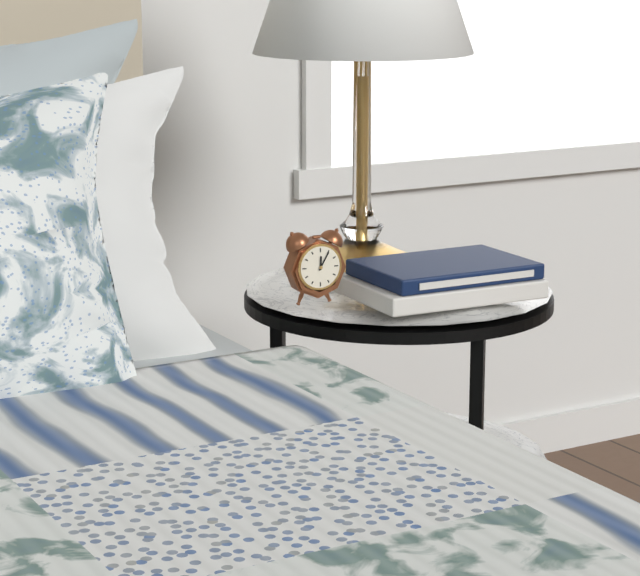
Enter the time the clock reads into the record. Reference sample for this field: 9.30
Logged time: 12.05
